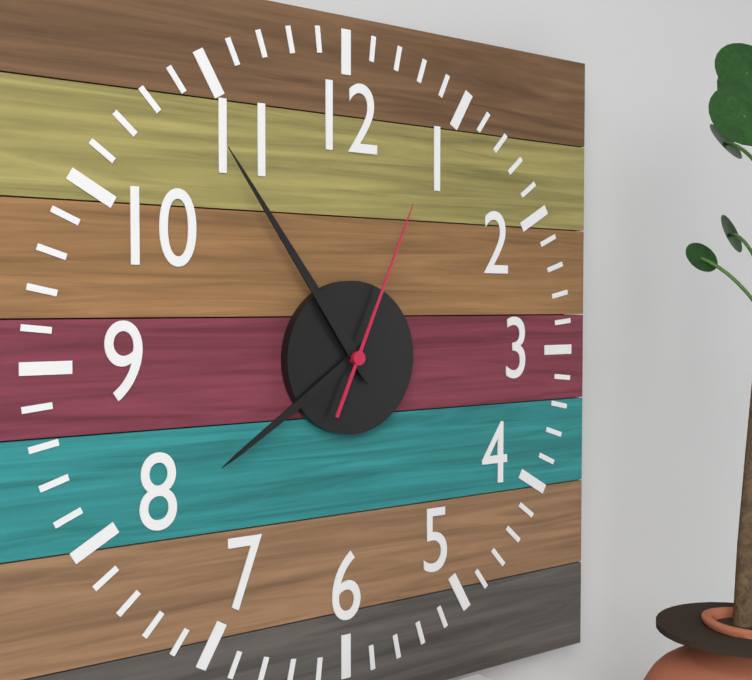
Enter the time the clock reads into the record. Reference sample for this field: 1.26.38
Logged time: 7.54.04
